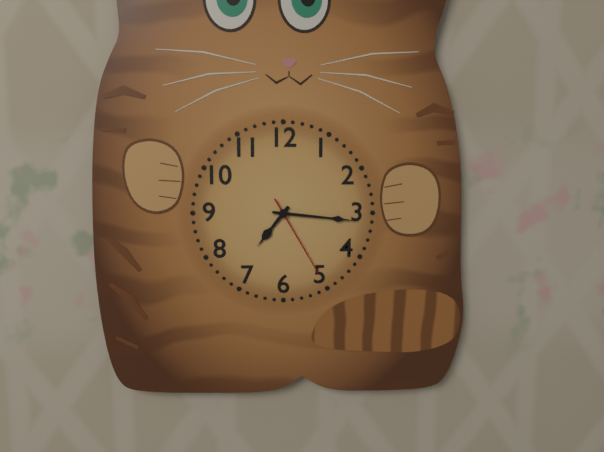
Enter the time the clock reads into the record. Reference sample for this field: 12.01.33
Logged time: 7.16.25
